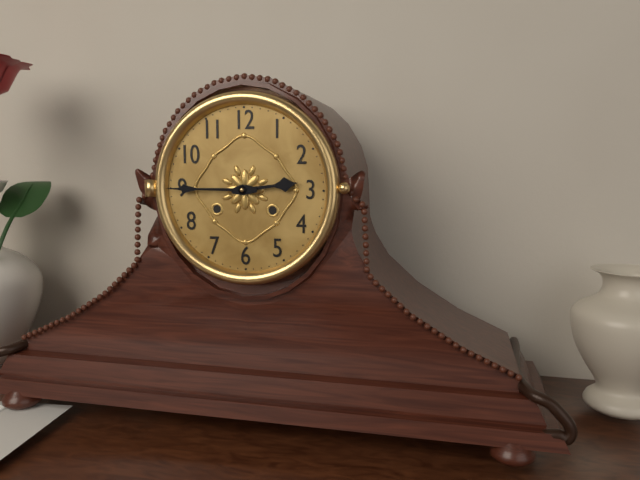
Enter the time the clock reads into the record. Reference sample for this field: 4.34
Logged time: 2.45
